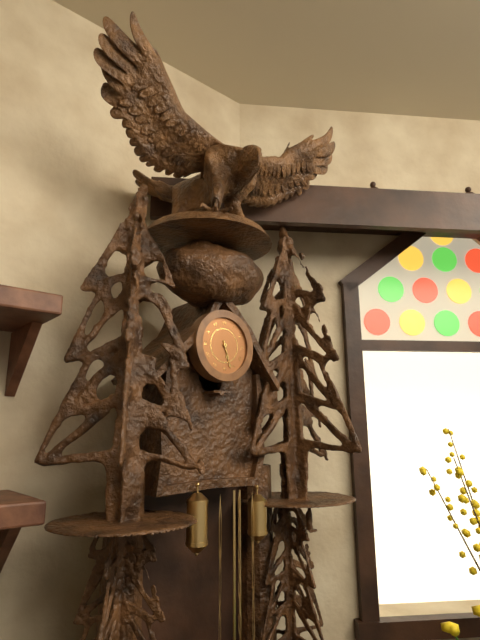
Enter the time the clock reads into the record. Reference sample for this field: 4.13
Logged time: 5.27
